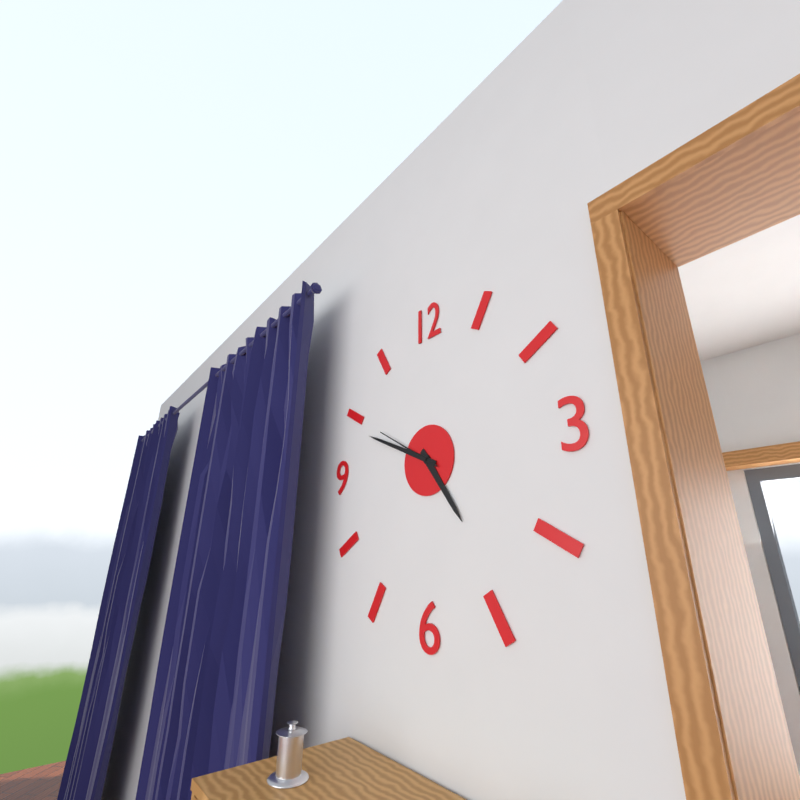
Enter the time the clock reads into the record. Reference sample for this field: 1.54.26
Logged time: 4.49.50
